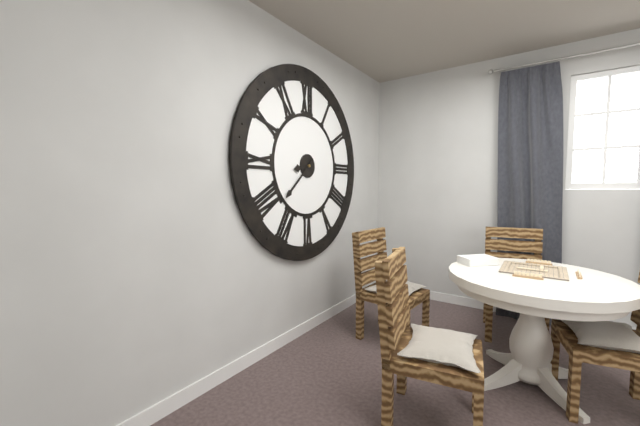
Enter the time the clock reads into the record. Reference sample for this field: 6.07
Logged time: 8.38
